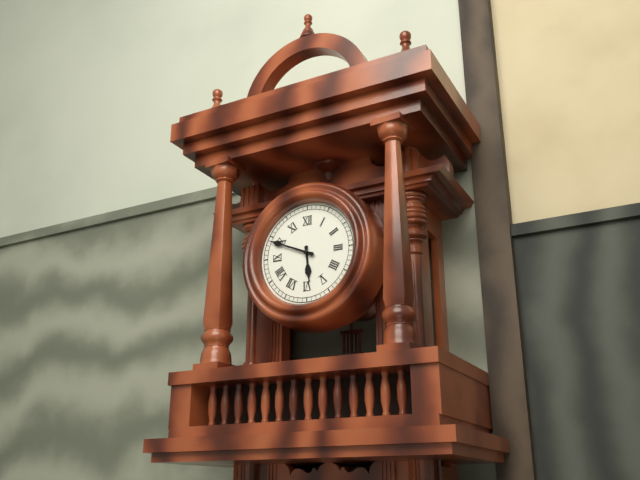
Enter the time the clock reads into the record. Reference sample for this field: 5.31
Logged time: 5.49
